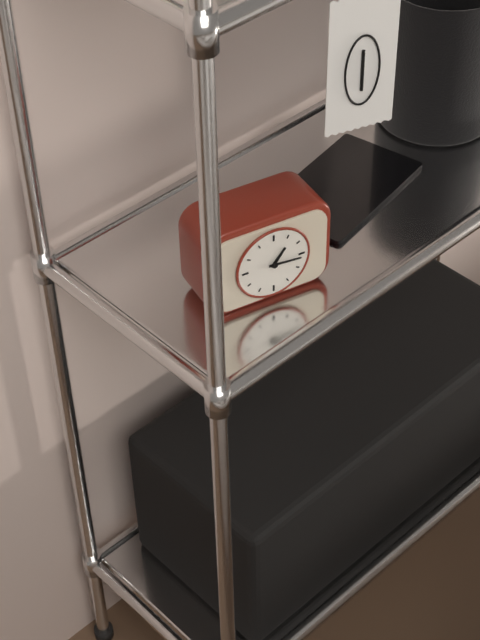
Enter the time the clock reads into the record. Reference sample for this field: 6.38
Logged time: 1.16
